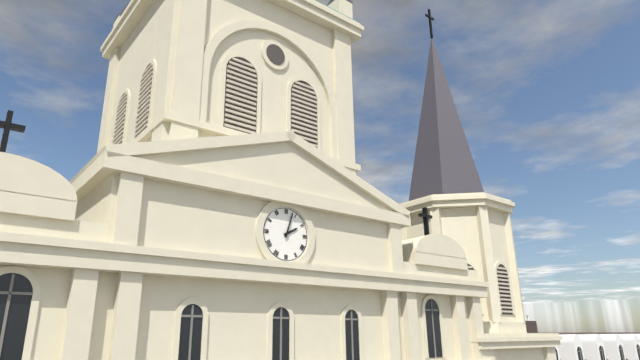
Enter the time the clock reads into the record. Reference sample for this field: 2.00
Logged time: 2.03
